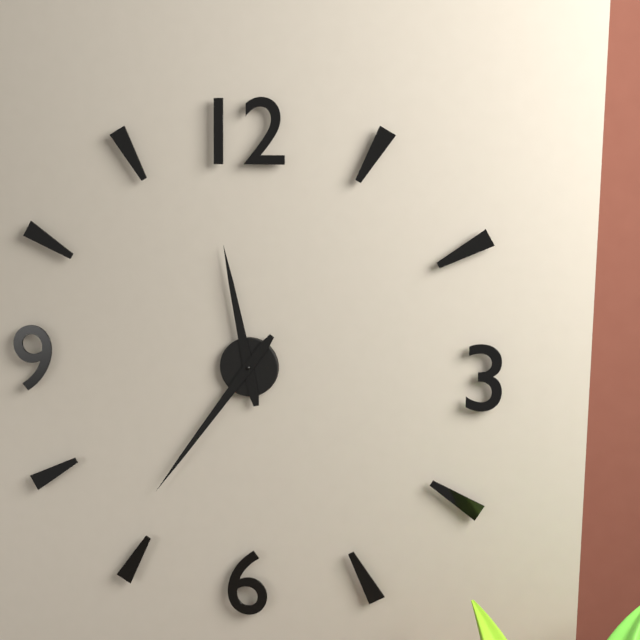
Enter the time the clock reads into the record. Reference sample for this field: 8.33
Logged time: 11.36
